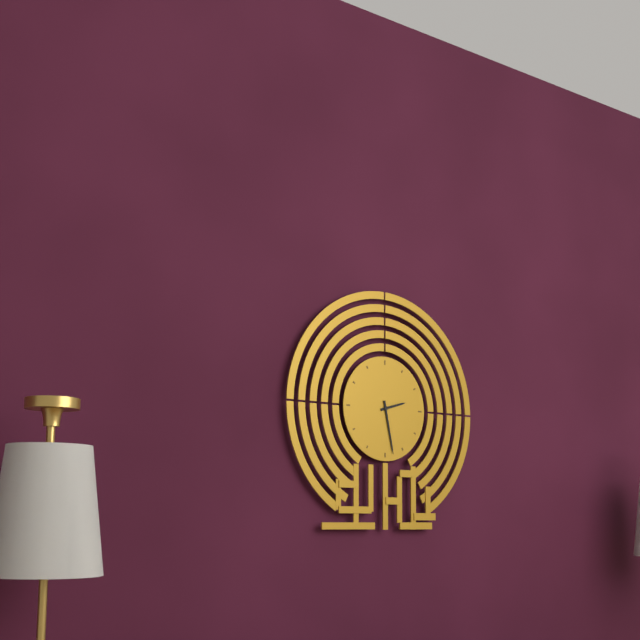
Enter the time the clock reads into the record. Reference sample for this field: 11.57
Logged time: 2.28
